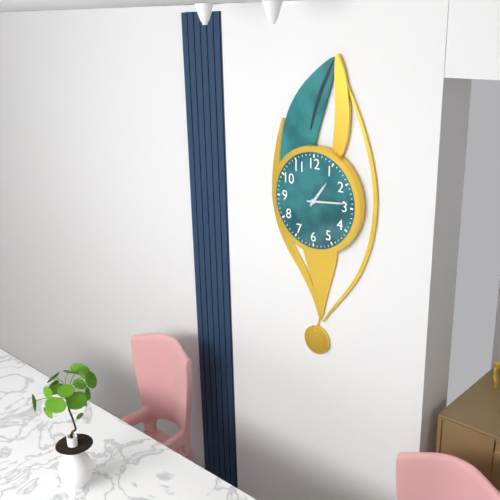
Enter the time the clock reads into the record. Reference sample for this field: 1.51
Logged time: 1.14
